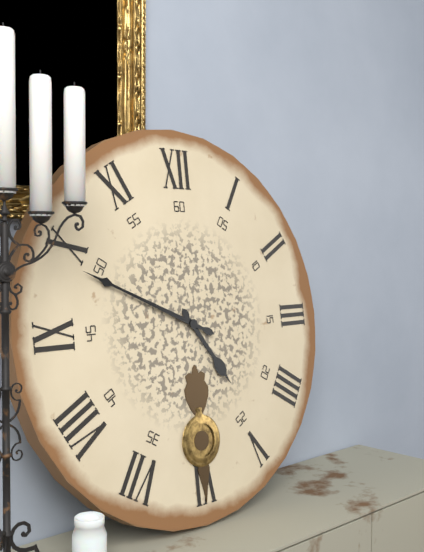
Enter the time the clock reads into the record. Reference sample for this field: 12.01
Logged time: 4.49
